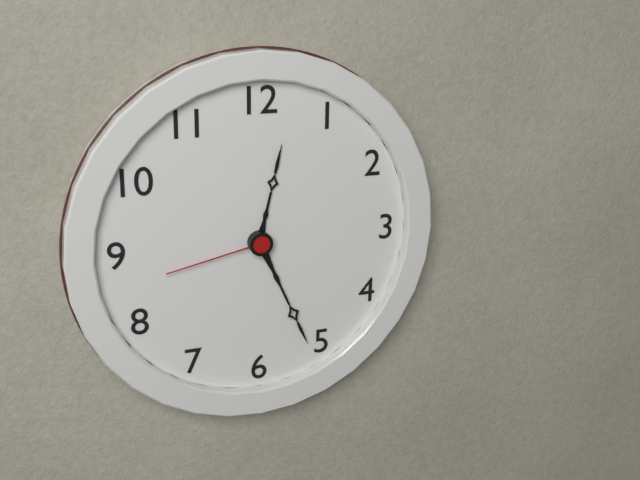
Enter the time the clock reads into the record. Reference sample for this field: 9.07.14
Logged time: 12.26.43
